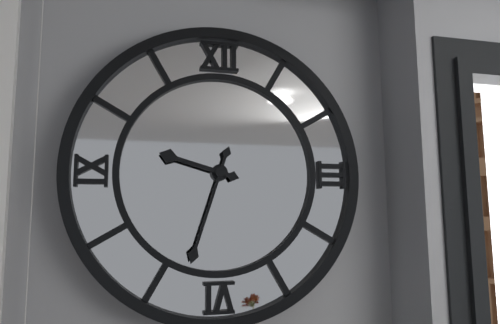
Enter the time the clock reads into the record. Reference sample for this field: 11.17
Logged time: 9.33
